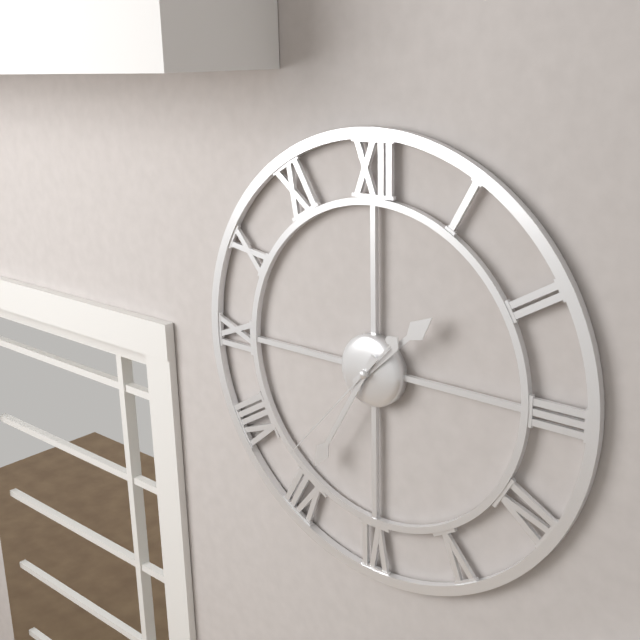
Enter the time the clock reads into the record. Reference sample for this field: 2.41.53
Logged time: 1.35.37
